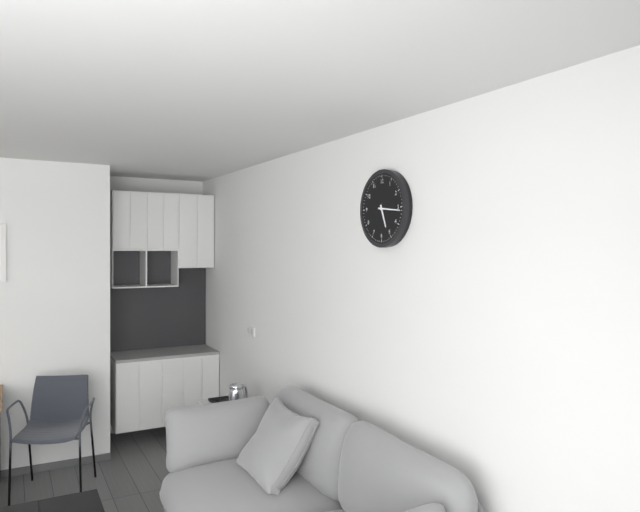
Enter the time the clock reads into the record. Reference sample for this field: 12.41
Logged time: 5.16
